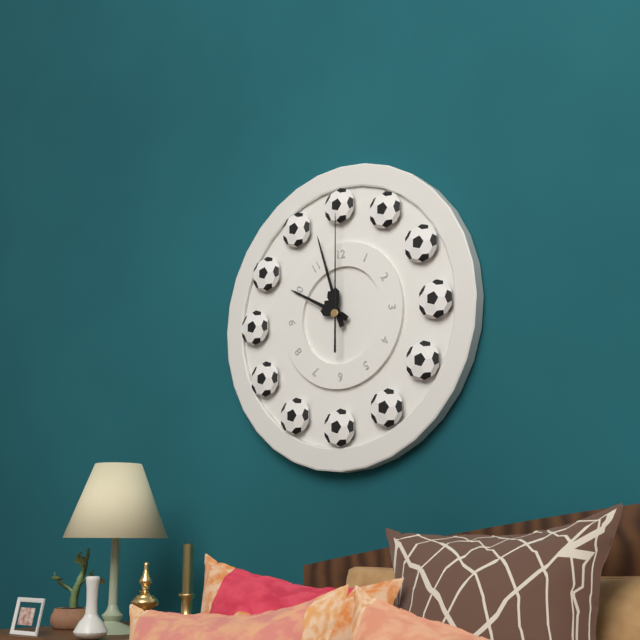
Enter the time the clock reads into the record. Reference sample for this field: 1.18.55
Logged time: 9.57.00
